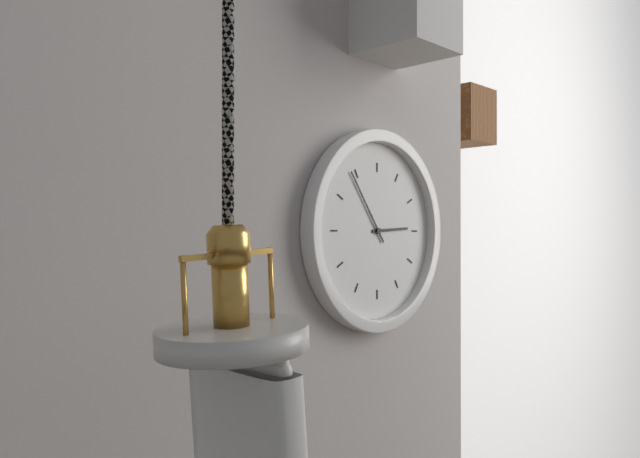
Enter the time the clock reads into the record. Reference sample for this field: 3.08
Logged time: 2.54
